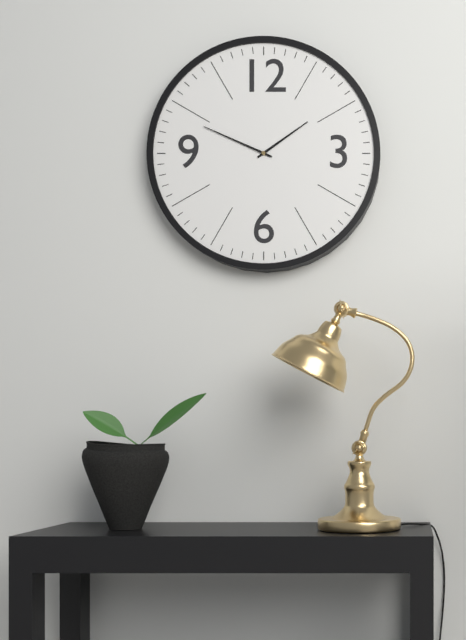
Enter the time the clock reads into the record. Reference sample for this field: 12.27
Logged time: 1.49
